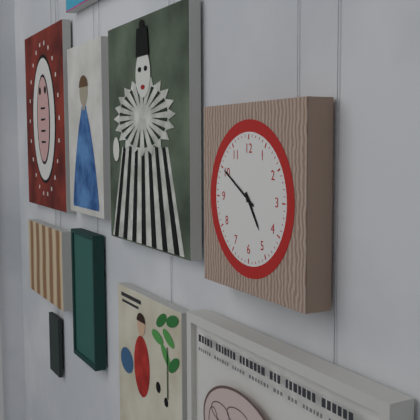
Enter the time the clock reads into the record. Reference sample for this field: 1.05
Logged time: 4.50
